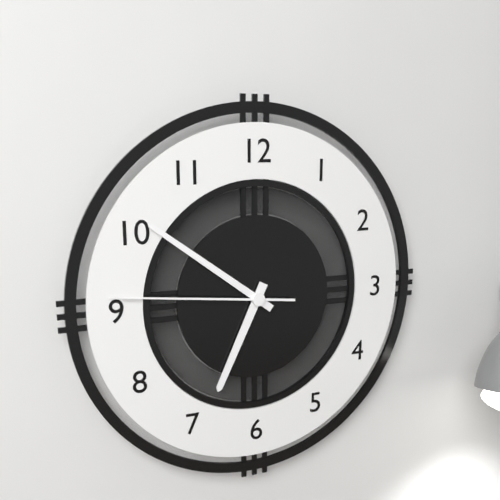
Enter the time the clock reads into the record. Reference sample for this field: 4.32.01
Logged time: 6.51.46
